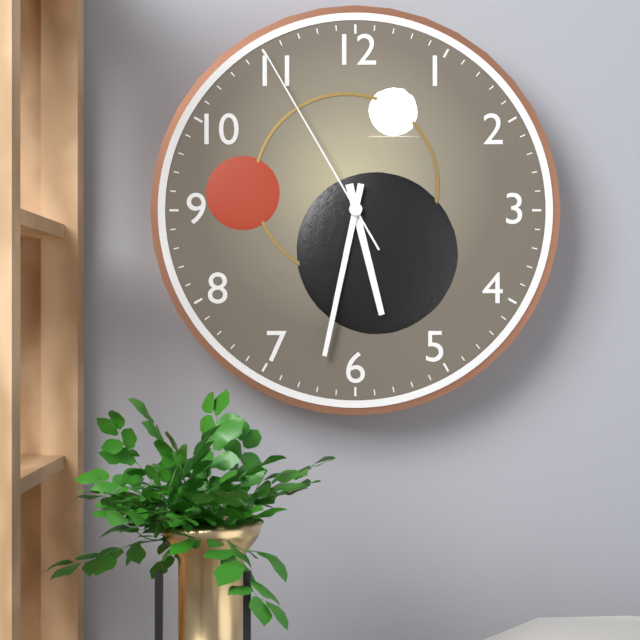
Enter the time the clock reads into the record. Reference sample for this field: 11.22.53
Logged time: 5.32.55
